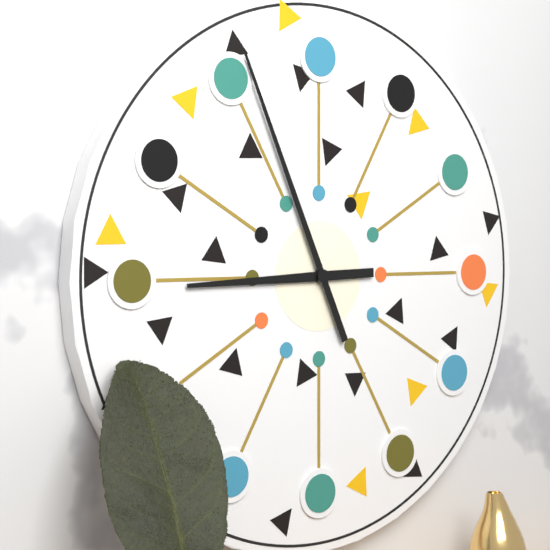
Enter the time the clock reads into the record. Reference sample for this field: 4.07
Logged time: 8.56
